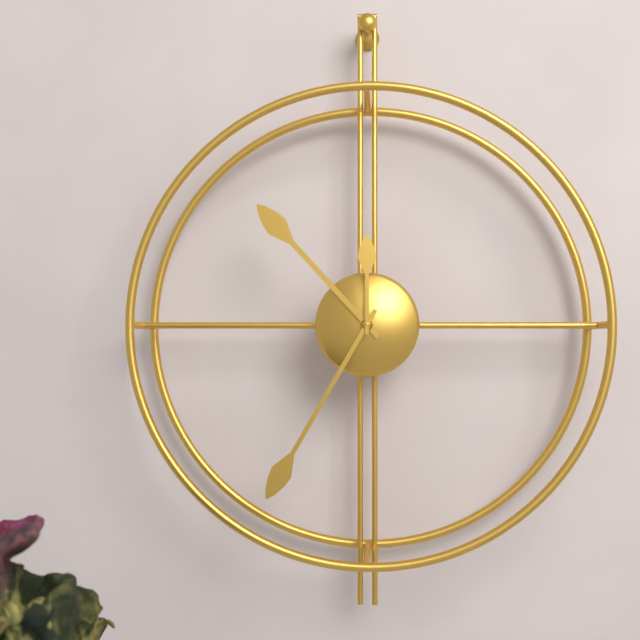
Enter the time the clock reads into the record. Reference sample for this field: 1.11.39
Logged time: 10.35.00
